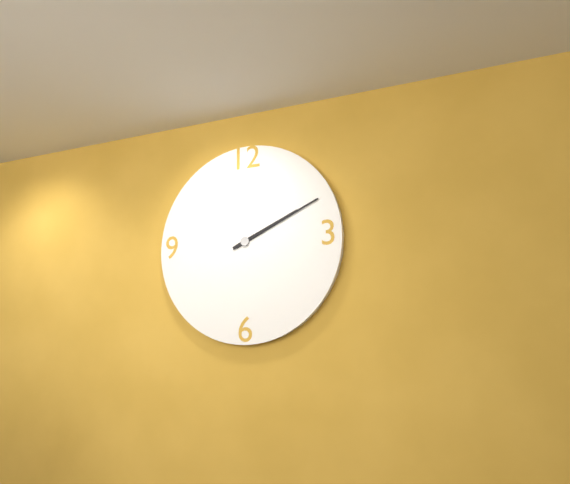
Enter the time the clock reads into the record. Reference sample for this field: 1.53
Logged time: 2.11
